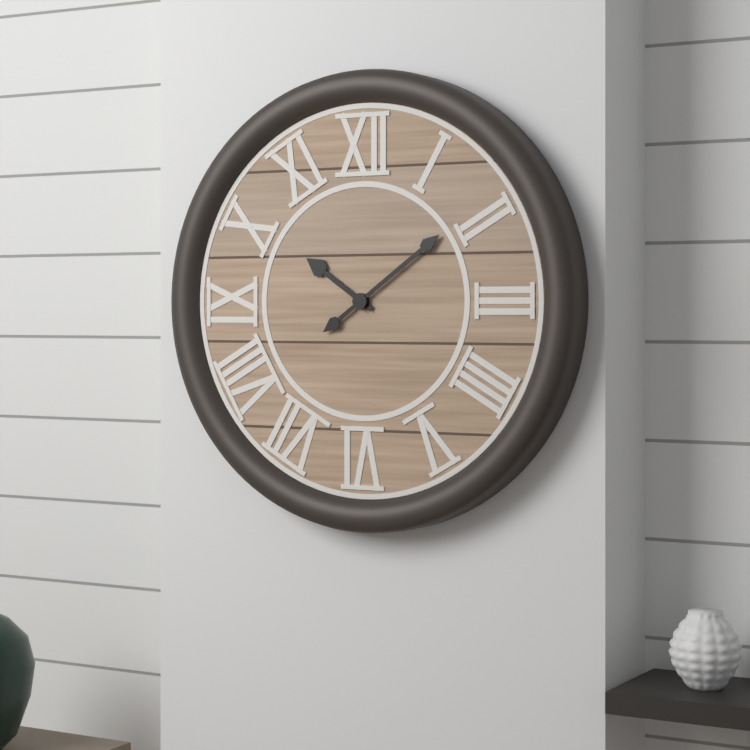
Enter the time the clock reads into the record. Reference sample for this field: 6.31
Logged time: 10.09
